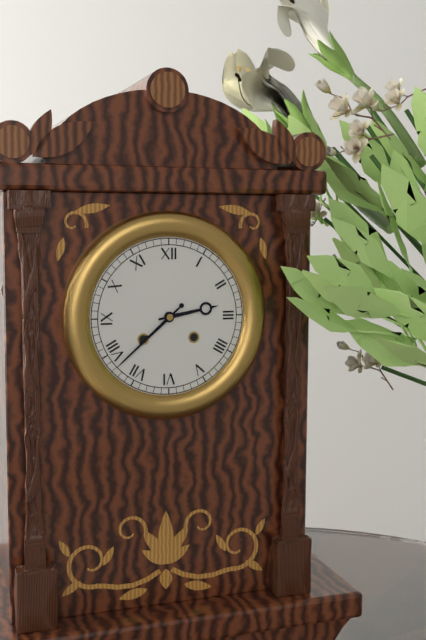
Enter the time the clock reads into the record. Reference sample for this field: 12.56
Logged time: 2.38
